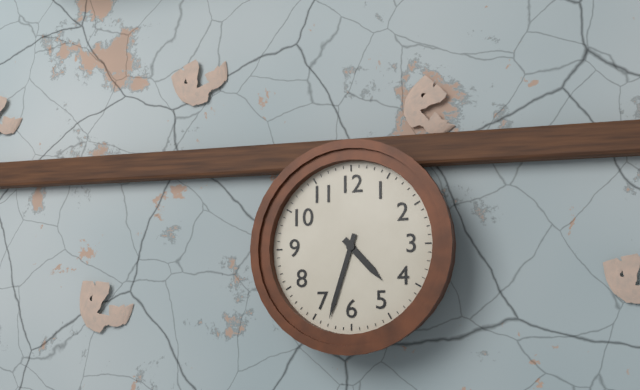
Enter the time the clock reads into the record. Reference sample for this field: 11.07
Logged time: 4.33
